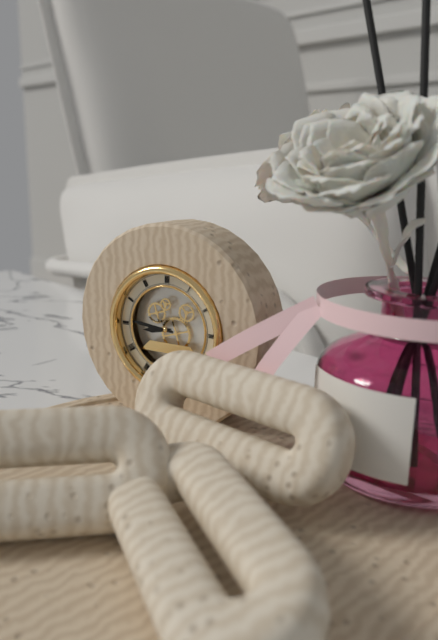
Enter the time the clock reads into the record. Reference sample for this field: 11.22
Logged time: 8.46
